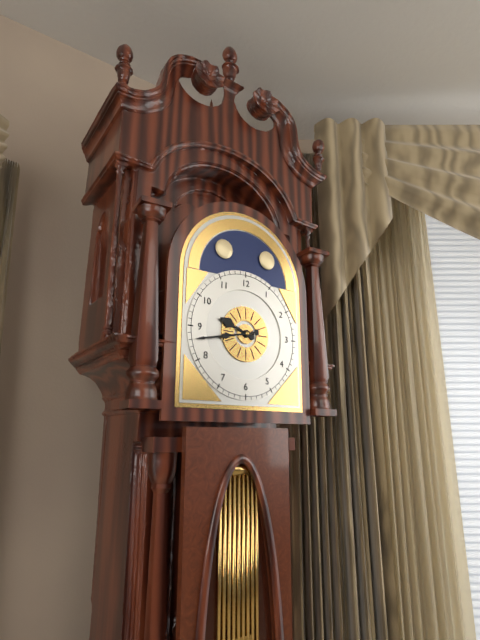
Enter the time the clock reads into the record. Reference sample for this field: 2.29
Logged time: 9.43
